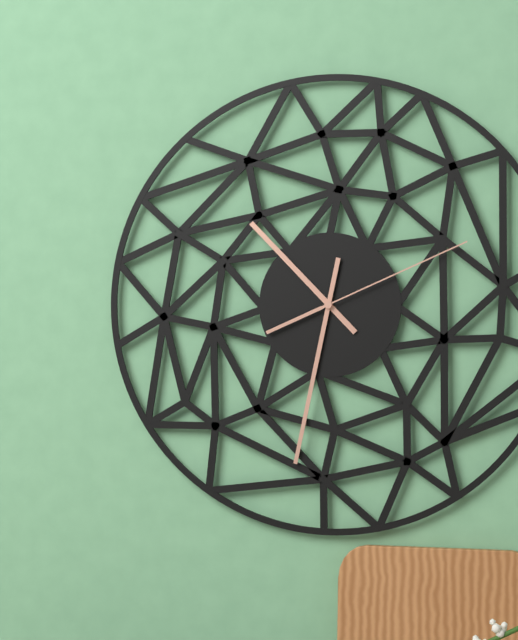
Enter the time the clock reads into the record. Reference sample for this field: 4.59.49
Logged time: 10.32.11
